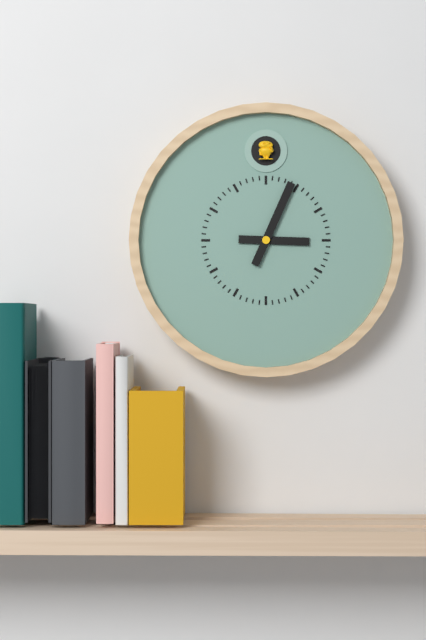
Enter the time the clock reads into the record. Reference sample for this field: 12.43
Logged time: 3.04
